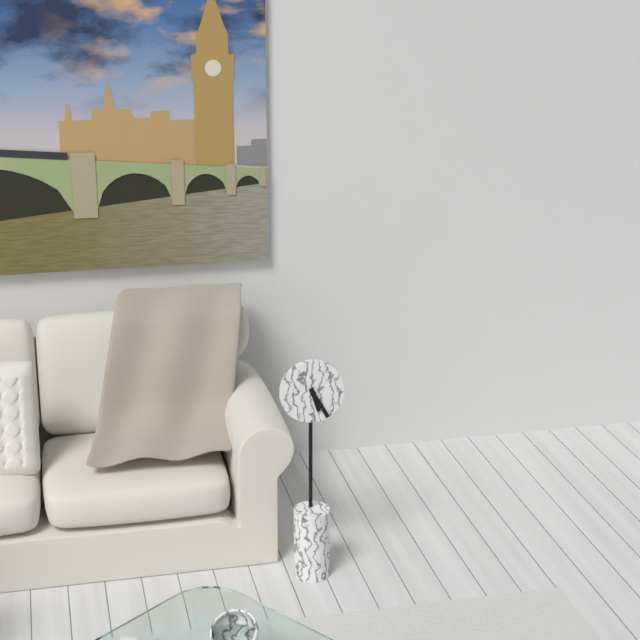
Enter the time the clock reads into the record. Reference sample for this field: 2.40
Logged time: 5.25
